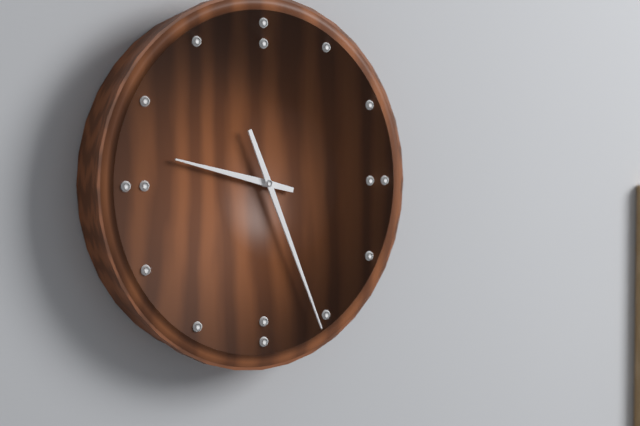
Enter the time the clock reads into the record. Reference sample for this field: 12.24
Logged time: 9.26
